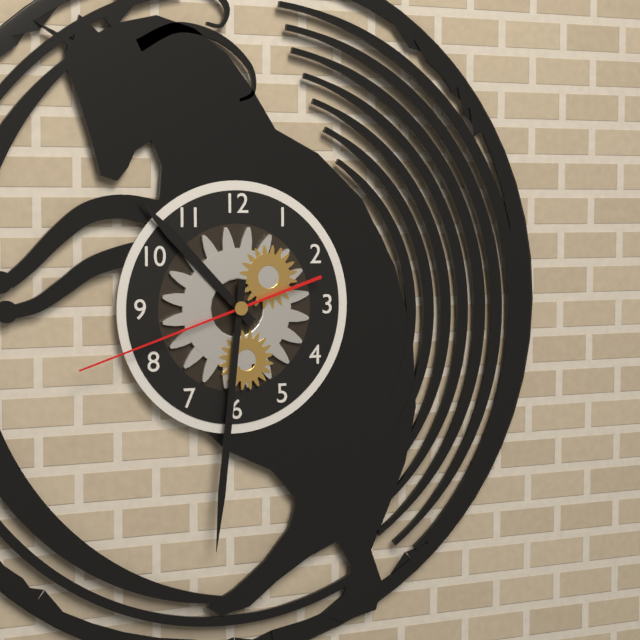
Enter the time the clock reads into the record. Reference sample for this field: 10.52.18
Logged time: 10.31.42
